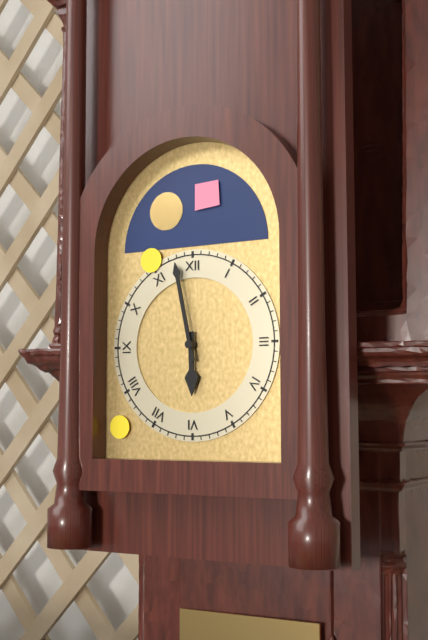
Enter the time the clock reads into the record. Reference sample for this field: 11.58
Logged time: 5.58
